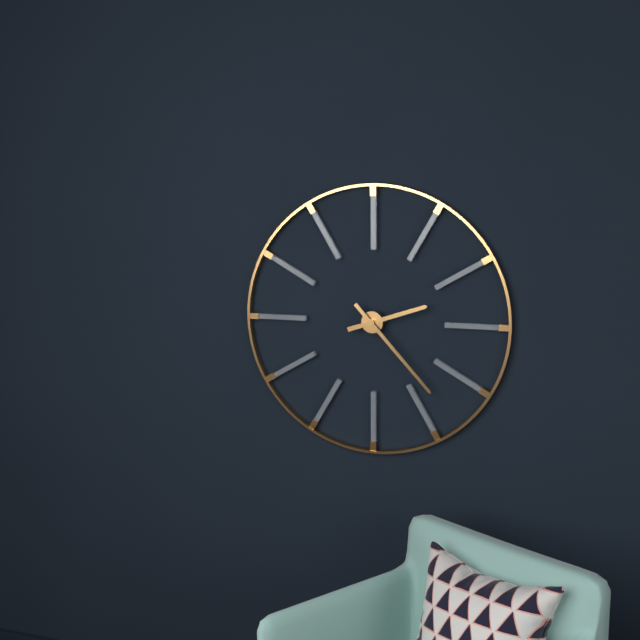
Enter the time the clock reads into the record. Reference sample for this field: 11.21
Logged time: 2.23
